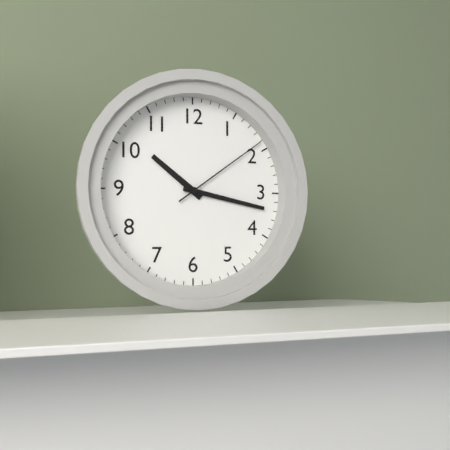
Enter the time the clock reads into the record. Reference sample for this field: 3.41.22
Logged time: 10.17.09
